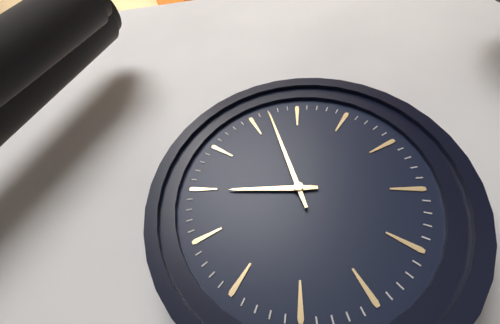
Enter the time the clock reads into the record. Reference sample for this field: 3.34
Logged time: 8.57
